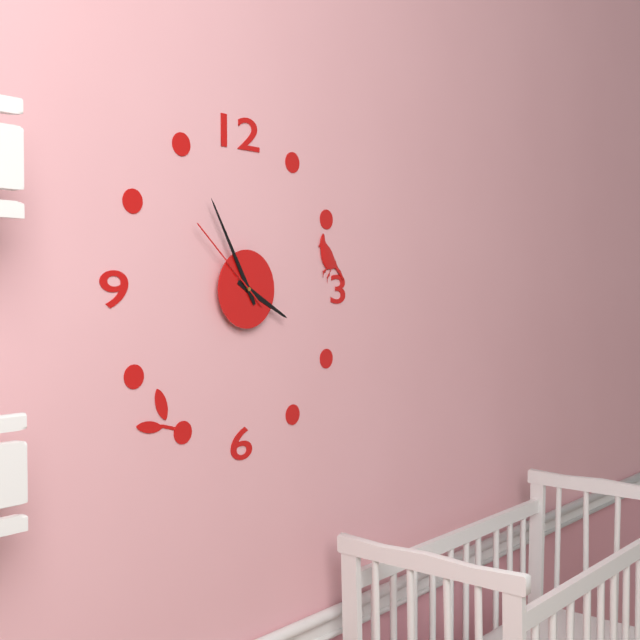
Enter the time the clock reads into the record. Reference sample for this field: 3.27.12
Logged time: 3.55.52
